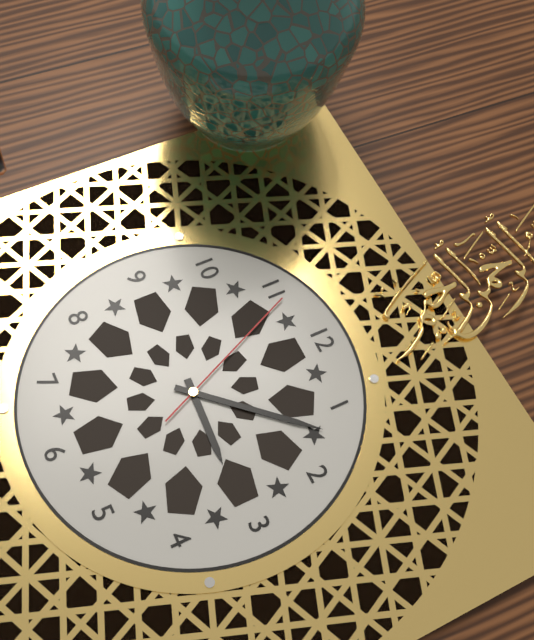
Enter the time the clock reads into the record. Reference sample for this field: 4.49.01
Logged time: 3.07.56
